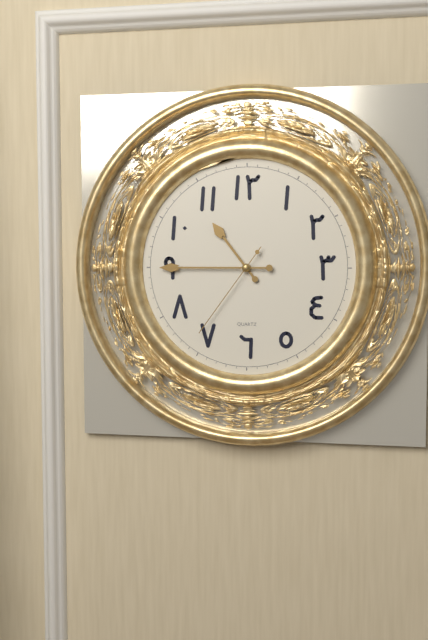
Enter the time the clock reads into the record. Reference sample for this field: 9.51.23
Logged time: 10.45.36
